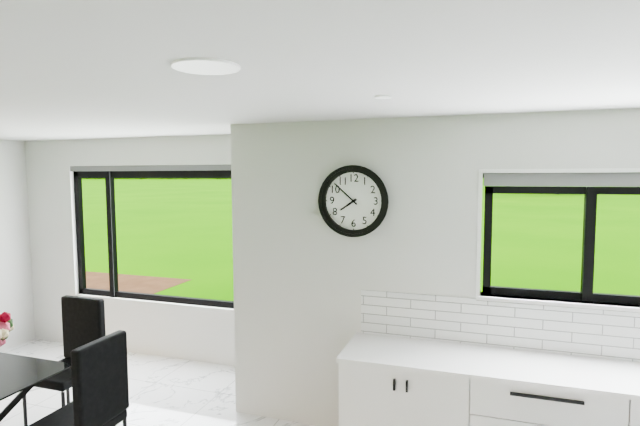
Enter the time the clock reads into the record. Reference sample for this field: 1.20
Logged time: 7.52
